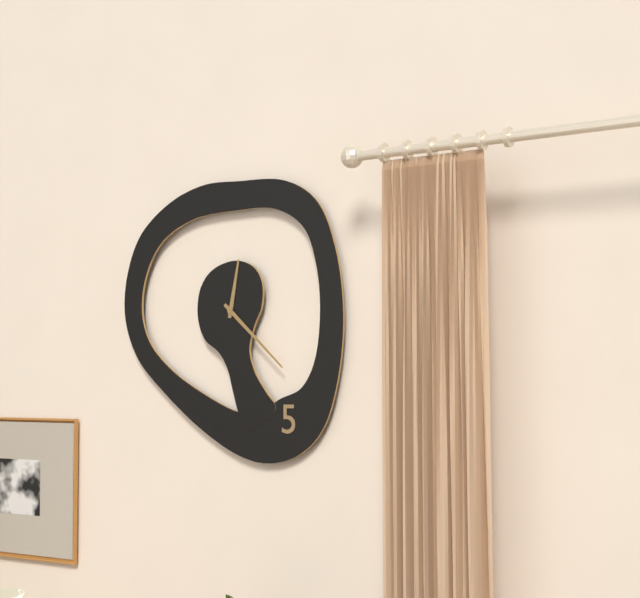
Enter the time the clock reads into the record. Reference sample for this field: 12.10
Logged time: 12.22
